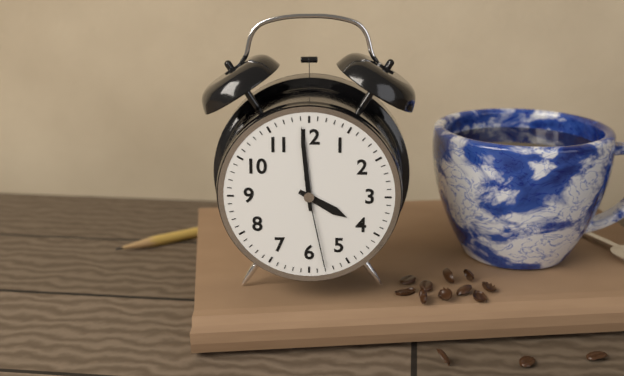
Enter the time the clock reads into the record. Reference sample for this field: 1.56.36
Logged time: 3.59.28
